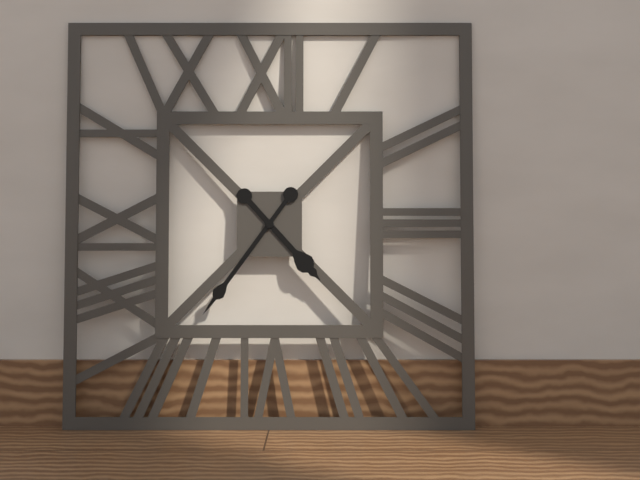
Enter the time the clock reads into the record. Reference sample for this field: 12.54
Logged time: 4.36
